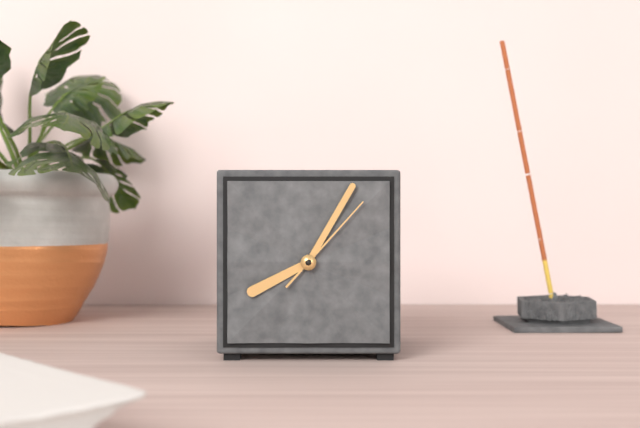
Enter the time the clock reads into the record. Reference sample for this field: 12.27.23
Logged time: 8.05.07
